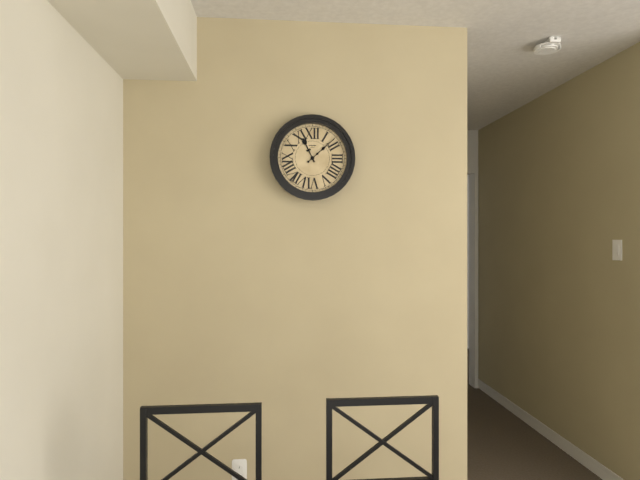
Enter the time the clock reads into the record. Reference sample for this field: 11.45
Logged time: 11.08
